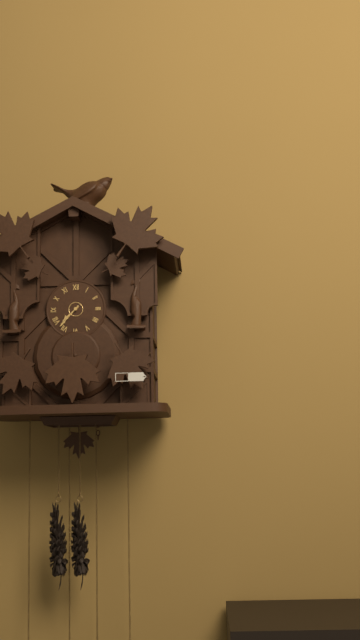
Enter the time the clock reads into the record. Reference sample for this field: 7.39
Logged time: 7.37
